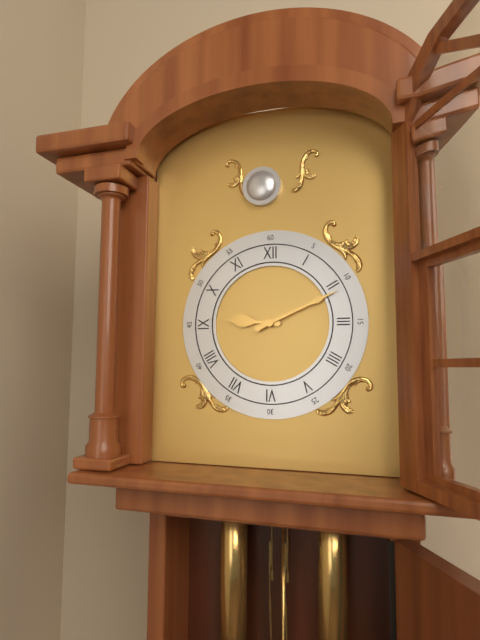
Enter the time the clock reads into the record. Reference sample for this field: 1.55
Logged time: 9.11
